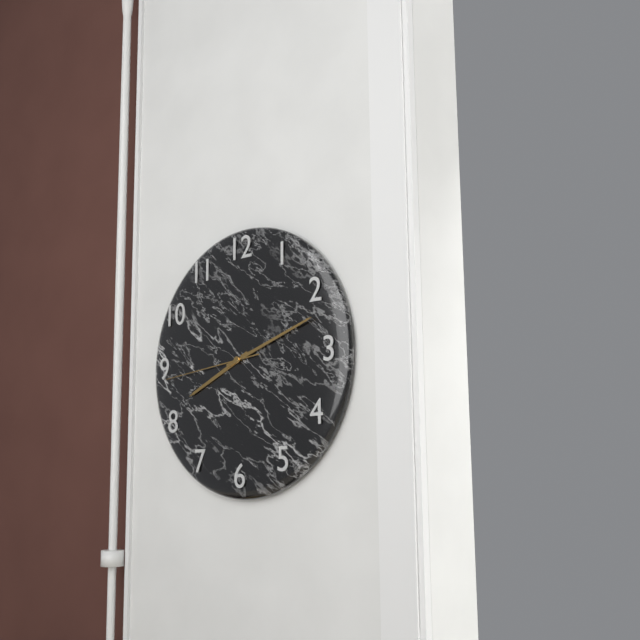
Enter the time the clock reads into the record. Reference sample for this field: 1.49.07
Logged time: 8.12.44
